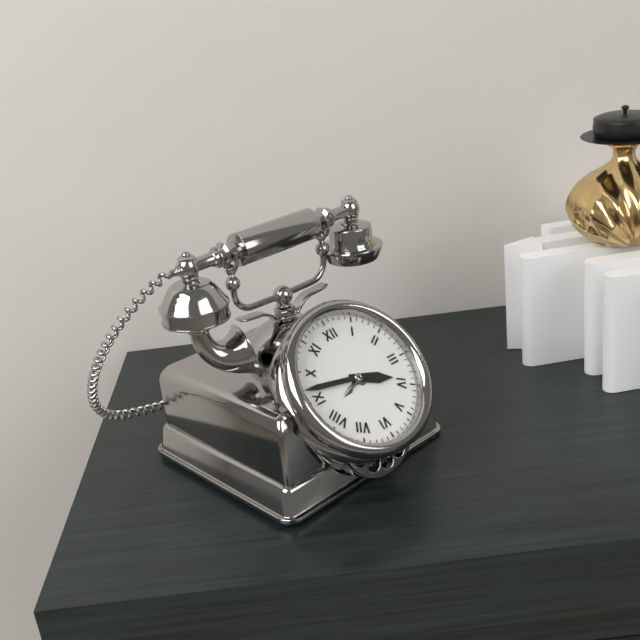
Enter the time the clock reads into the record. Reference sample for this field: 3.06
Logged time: 3.47
